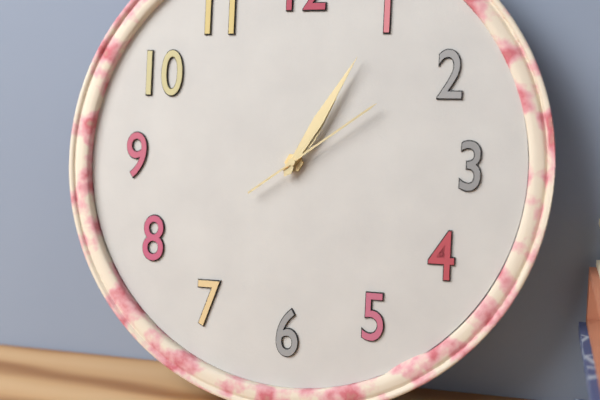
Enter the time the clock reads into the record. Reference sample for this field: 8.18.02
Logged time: 1.05.09
